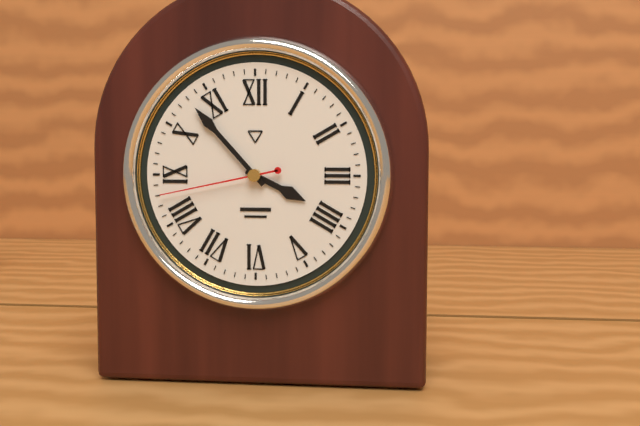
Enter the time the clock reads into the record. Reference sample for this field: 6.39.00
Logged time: 3.53.43
